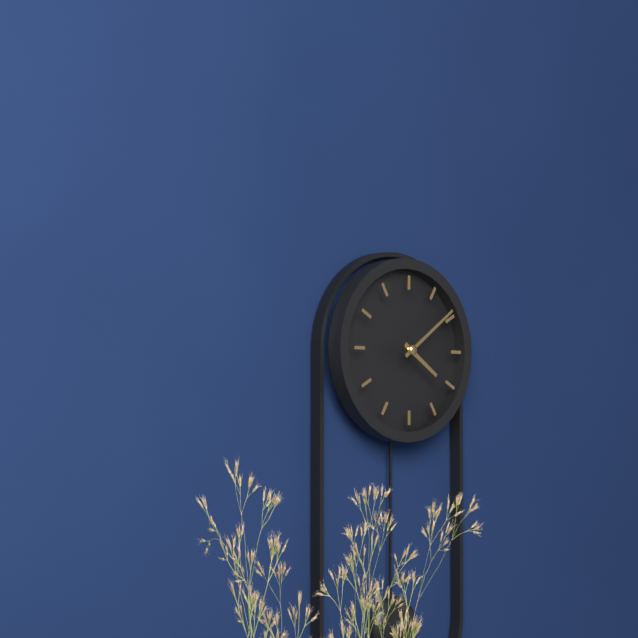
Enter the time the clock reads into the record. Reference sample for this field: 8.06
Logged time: 4.09
